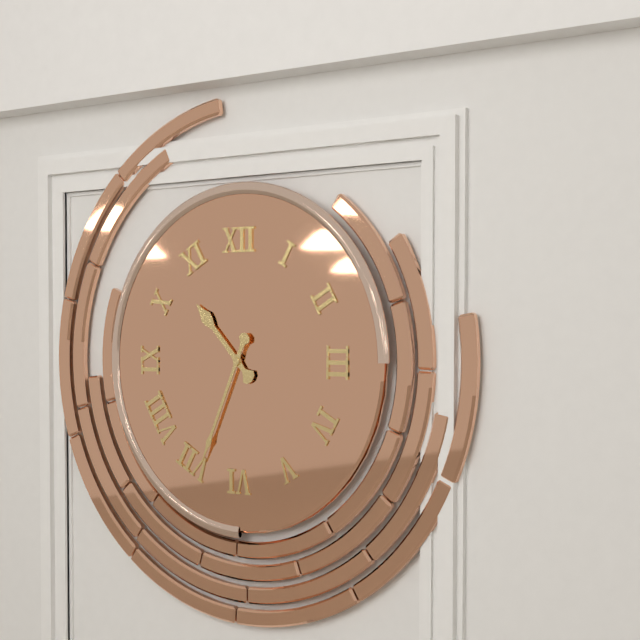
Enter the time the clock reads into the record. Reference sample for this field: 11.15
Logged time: 10.34
